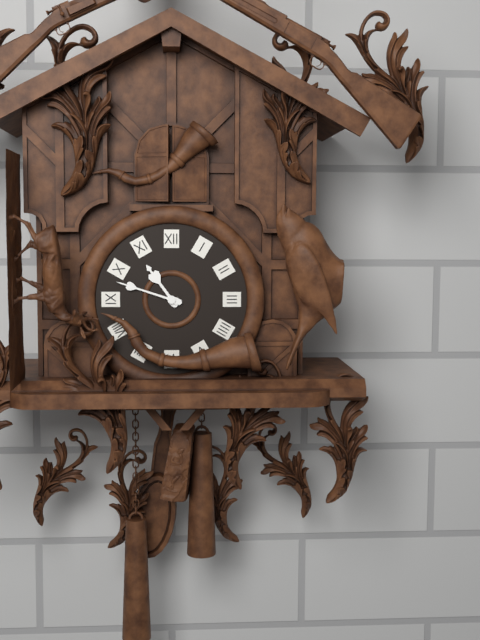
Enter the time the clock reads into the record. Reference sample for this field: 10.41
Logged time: 10.48
